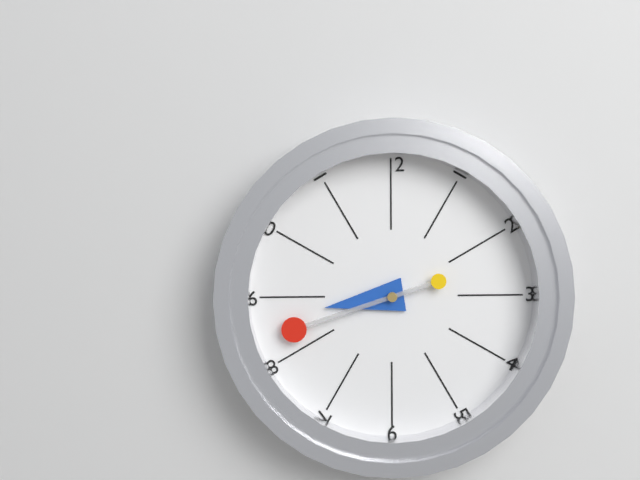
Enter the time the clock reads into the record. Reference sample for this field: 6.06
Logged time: 8.42
